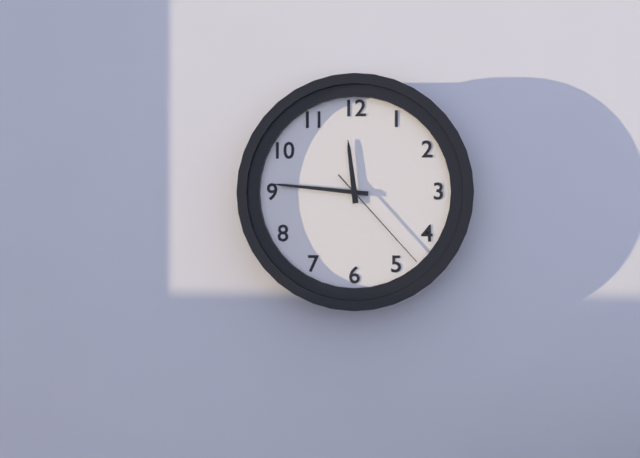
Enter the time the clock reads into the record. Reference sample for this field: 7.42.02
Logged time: 11.46.23
